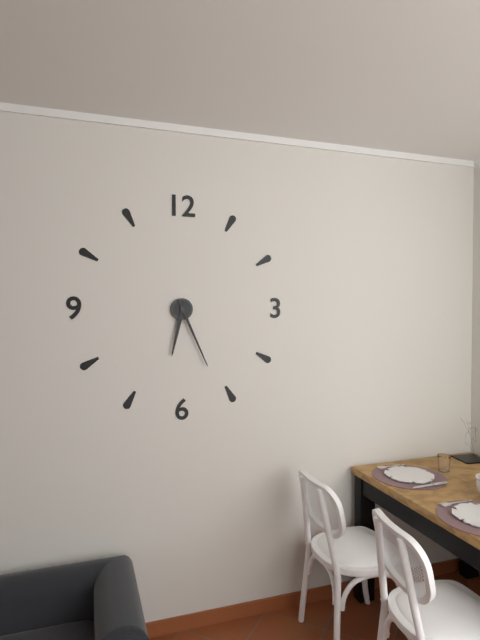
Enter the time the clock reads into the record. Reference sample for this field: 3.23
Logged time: 6.26
